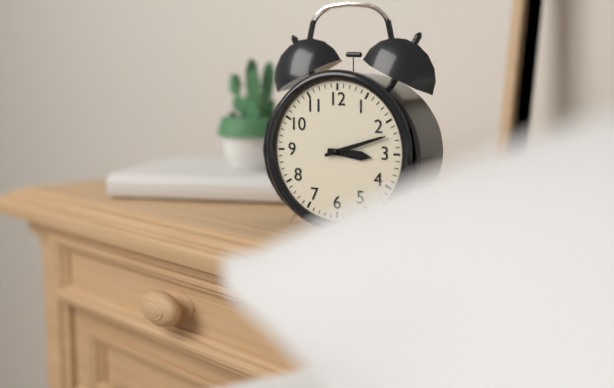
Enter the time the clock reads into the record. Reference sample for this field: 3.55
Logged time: 3.12
